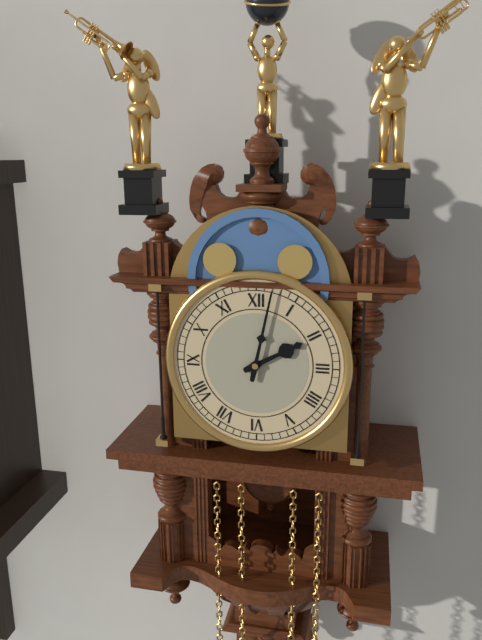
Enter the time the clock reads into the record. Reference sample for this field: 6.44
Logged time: 2.02
